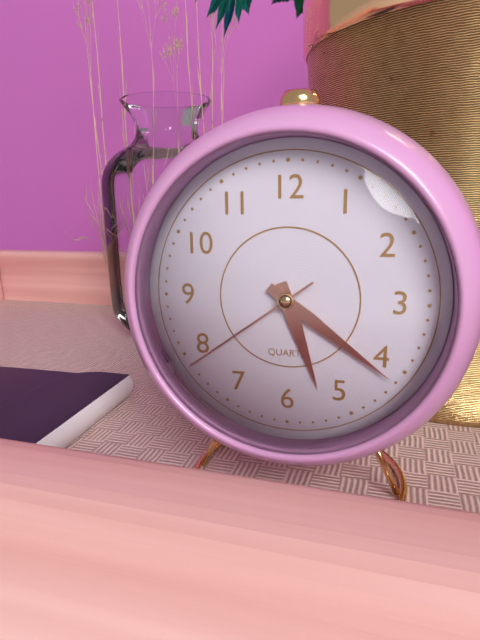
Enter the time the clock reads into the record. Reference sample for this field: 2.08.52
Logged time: 5.21.39
